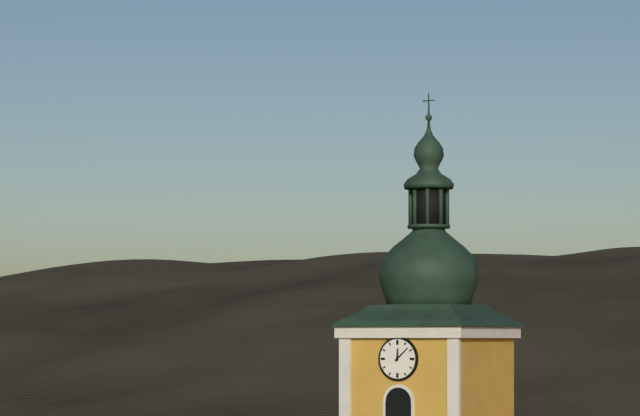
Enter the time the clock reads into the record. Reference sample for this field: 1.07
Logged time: 12.08
